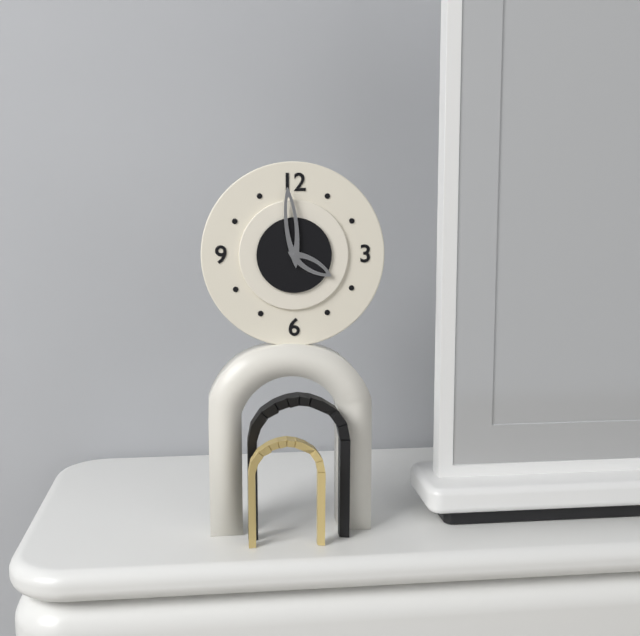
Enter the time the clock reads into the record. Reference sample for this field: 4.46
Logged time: 3.59
